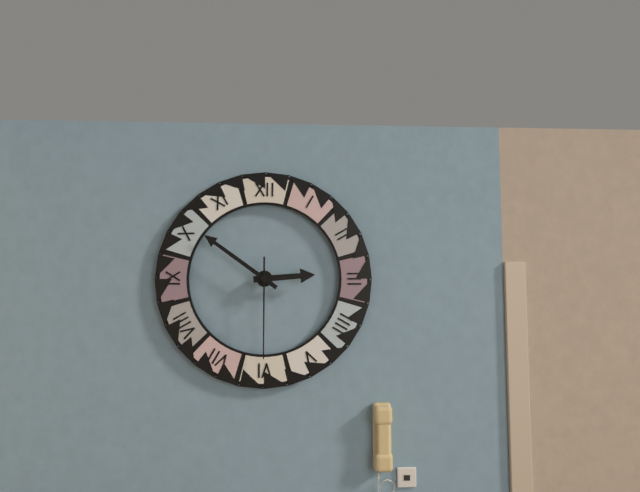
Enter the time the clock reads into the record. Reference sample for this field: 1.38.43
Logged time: 2.51.30
